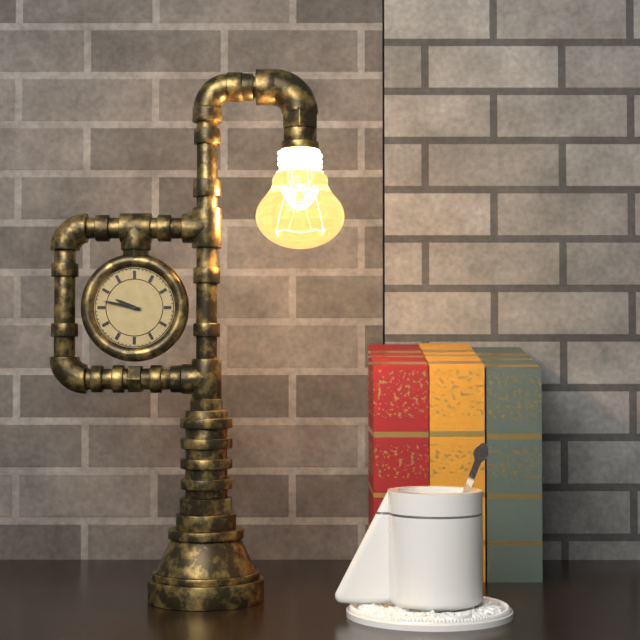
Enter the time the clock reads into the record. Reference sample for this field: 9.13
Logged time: 9.47
